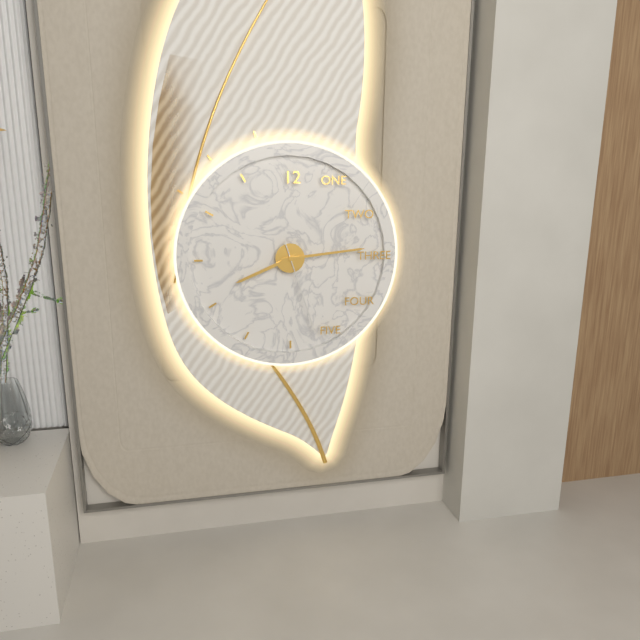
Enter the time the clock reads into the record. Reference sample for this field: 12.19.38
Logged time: 8.14.27
